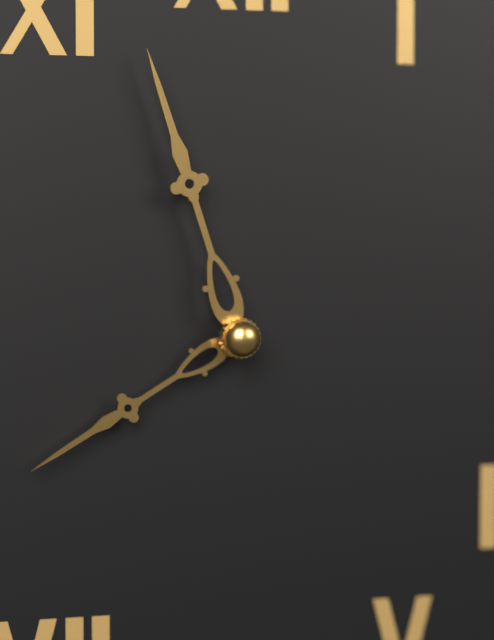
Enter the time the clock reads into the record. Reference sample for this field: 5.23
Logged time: 7.57
